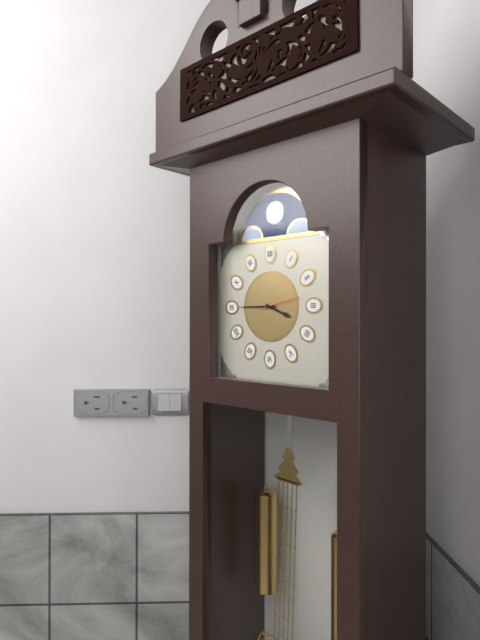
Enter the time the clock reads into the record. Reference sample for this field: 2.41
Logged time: 3.45
